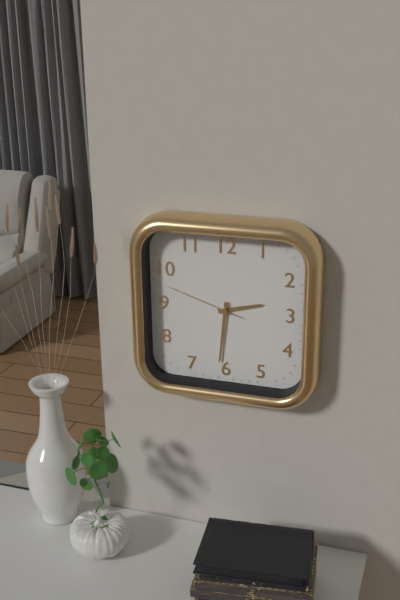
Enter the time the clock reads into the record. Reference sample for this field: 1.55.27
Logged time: 2.31.48
